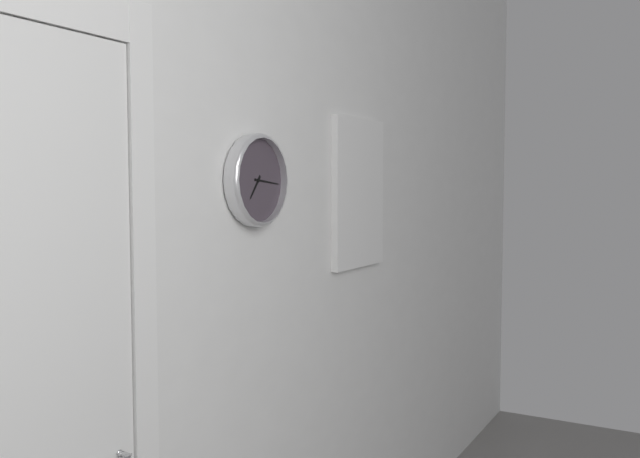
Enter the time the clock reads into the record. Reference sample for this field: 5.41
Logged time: 7.16
